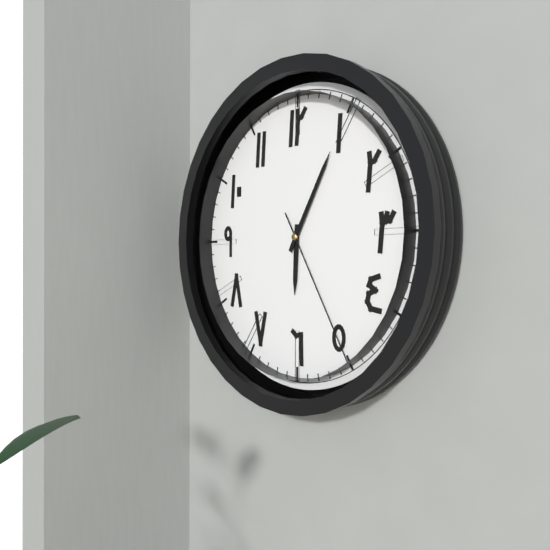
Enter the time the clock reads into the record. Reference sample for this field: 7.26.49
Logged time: 6.05.25
